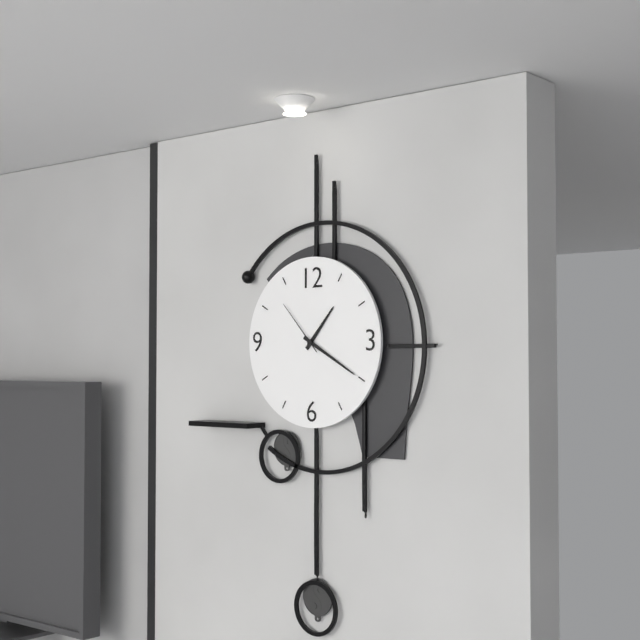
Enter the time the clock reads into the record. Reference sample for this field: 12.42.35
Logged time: 1.20.53
